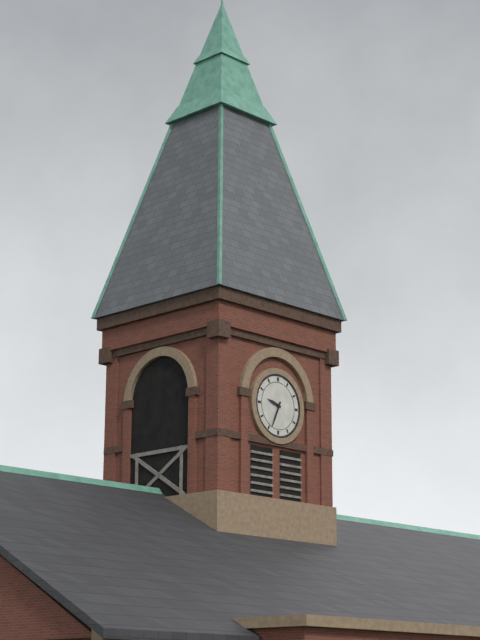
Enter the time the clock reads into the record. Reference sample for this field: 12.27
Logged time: 9.34
